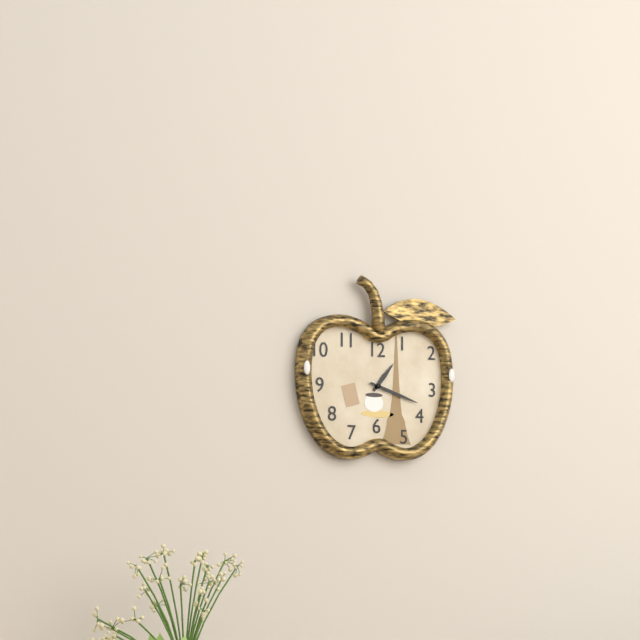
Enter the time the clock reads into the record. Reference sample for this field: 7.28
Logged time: 1.18
